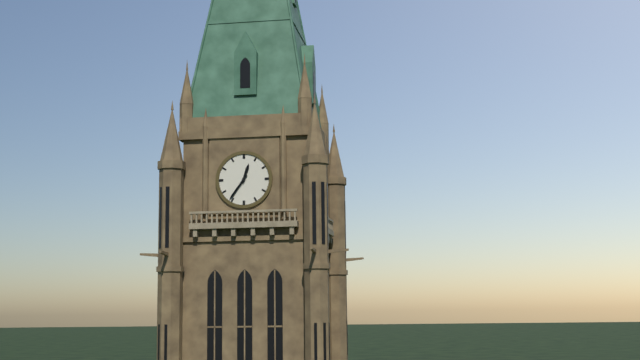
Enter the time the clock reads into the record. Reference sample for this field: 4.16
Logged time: 12.36
